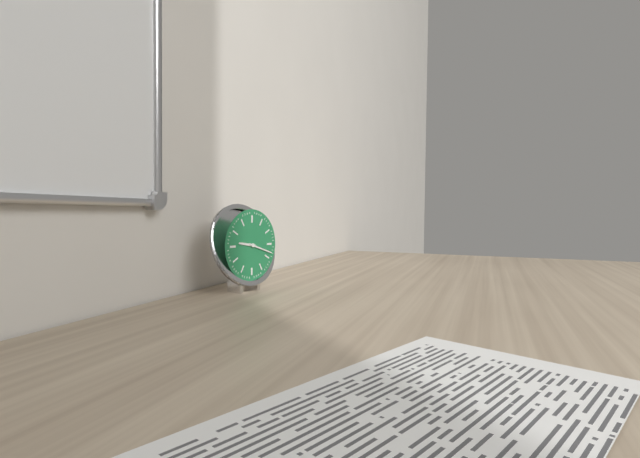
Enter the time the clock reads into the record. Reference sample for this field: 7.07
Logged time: 9.18
